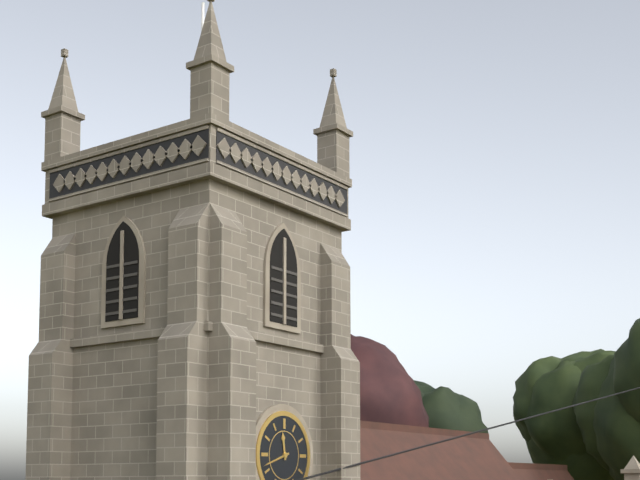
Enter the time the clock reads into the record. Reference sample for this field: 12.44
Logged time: 11.42
